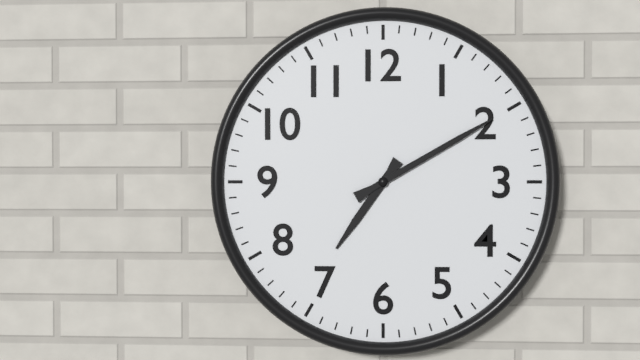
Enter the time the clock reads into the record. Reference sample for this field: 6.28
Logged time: 7.10
